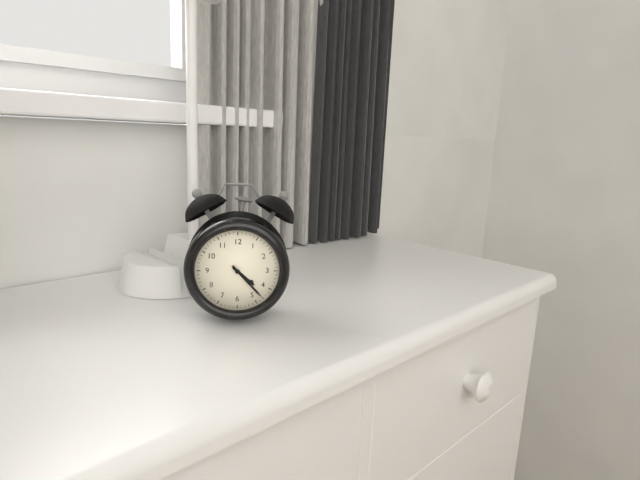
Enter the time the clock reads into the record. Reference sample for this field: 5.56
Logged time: 4.23
